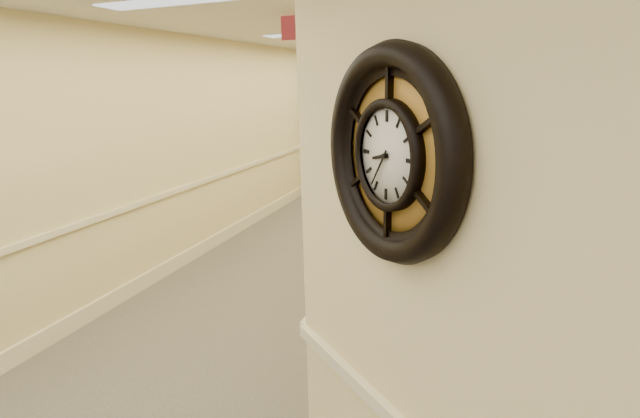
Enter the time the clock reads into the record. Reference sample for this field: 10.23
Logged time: 8.36
